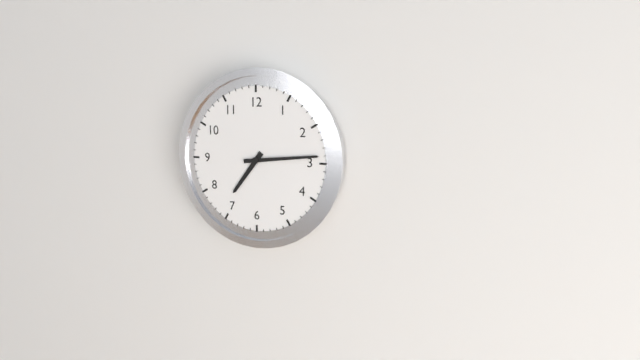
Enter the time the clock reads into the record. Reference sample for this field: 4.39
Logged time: 7.14
